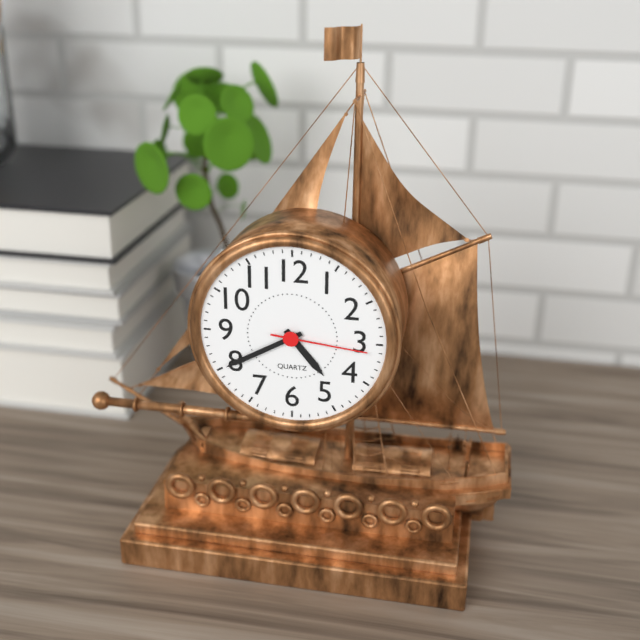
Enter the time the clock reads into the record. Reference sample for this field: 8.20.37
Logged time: 4.40.16
